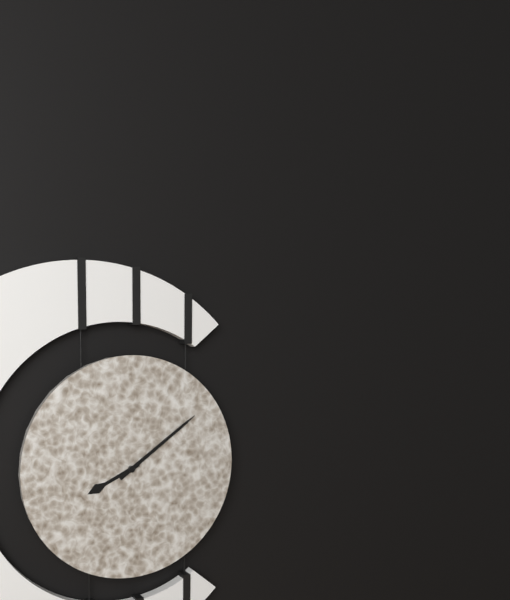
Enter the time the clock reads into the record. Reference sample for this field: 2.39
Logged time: 8.09
